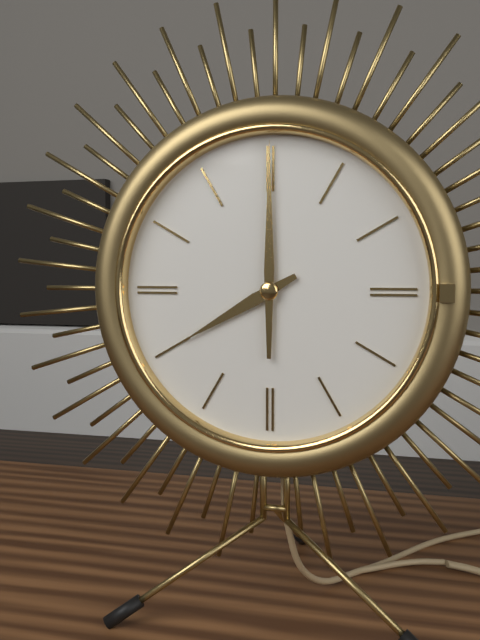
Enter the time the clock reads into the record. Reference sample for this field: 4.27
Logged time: 8.00
